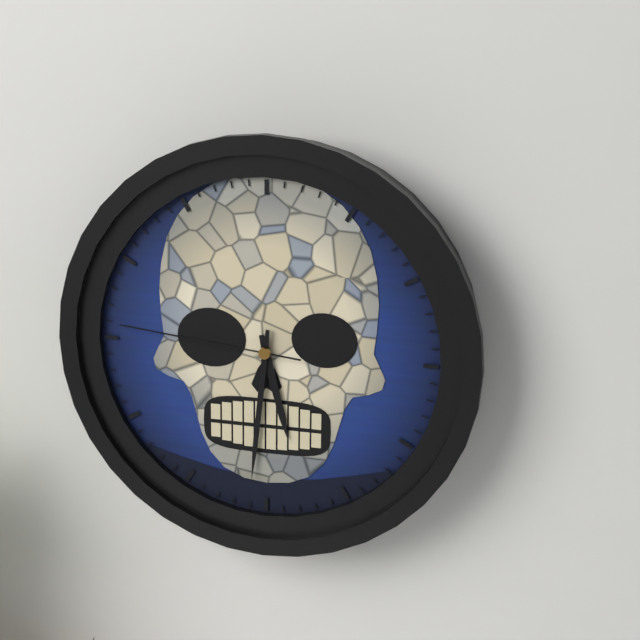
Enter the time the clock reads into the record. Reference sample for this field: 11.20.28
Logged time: 5.31.46
